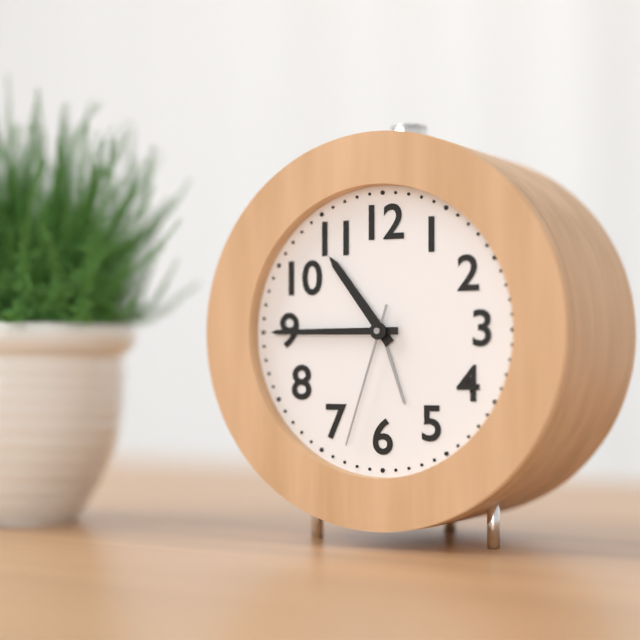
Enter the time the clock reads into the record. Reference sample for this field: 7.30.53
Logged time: 10.45.33
